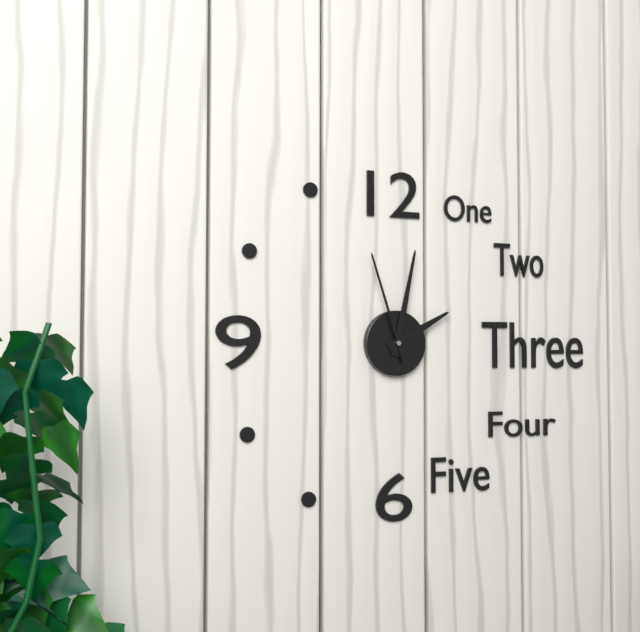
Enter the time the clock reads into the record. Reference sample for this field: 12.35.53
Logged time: 2.02.57
